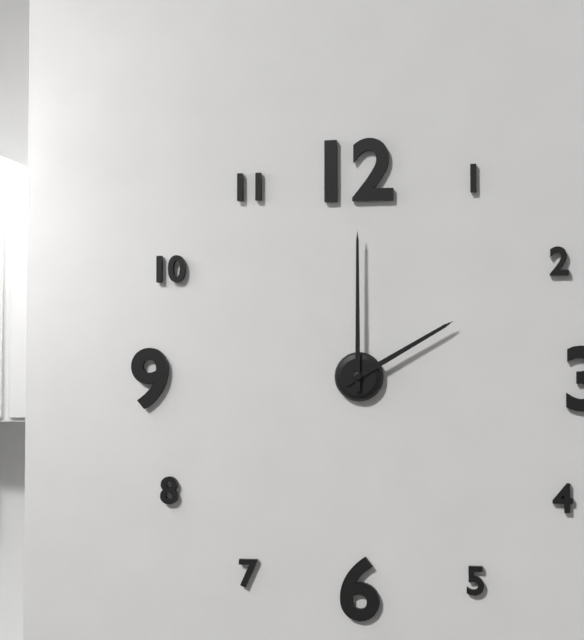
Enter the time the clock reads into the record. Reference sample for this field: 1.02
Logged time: 2.00
